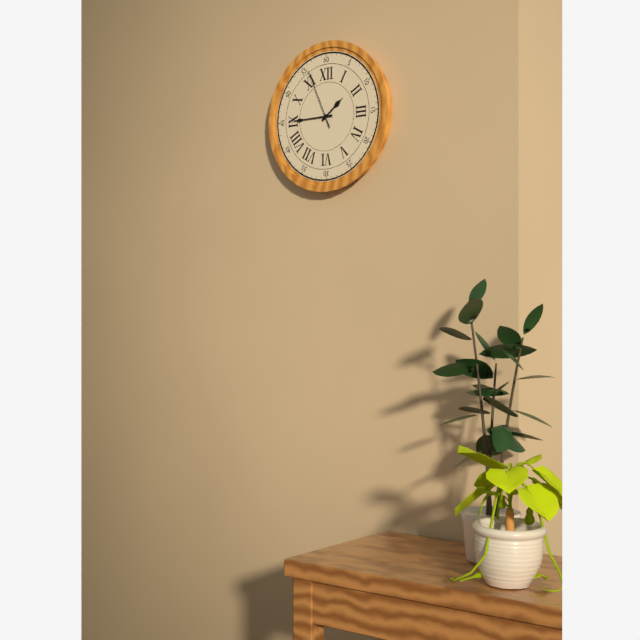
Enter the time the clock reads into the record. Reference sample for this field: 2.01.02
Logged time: 1.45.56
